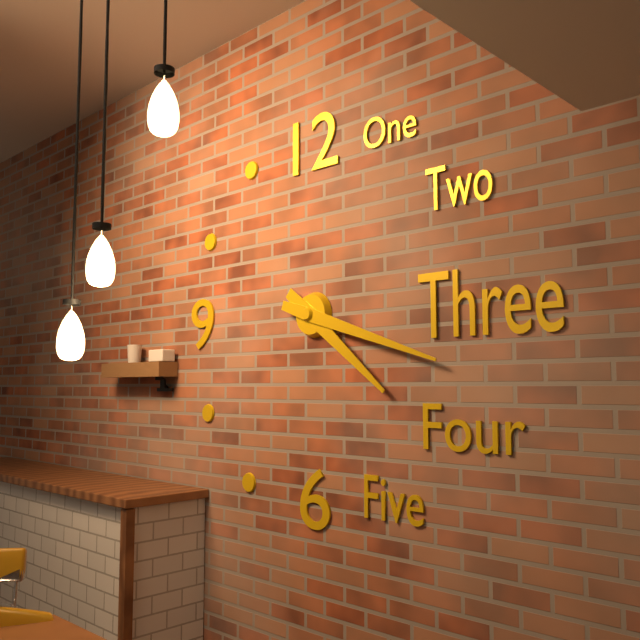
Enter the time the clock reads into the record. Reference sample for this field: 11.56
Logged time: 4.18
